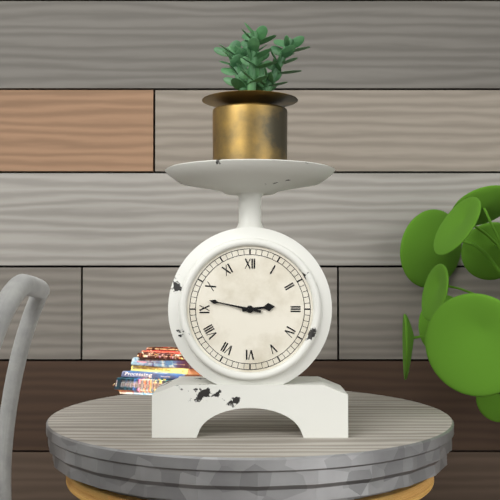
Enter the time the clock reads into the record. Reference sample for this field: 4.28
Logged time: 2.47
